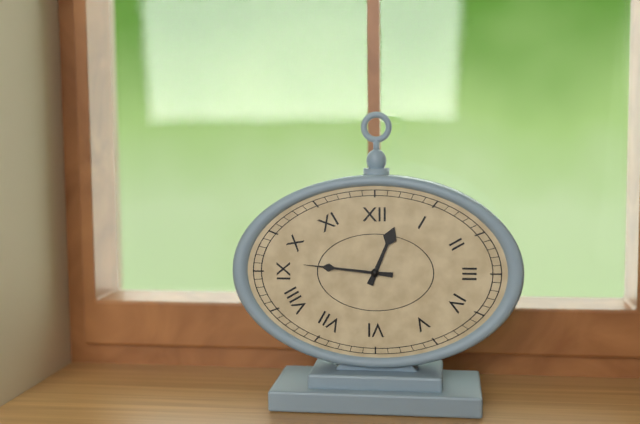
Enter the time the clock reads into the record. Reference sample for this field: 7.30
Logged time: 12.46
